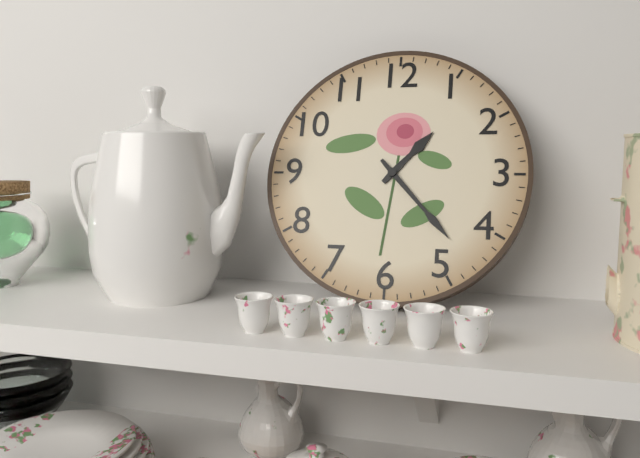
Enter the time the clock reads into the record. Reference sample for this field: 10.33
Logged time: 1.23
